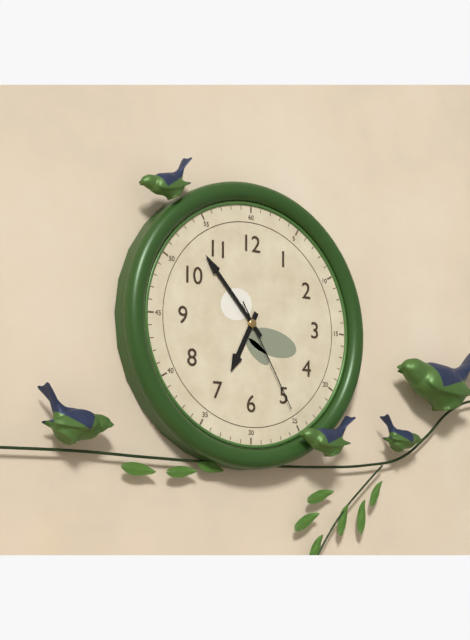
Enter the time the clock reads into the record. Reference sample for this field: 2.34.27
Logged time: 6.53.25
